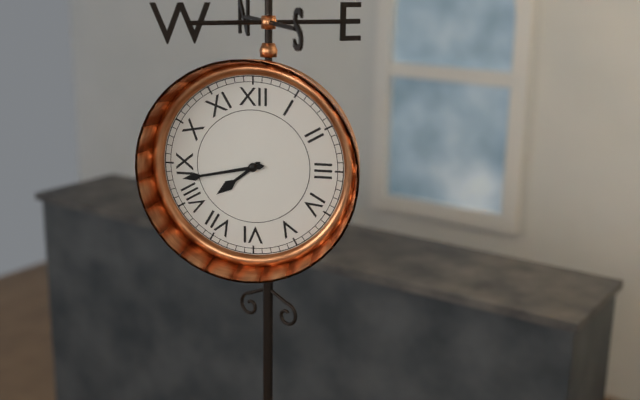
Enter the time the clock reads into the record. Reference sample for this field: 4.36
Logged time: 7.43
